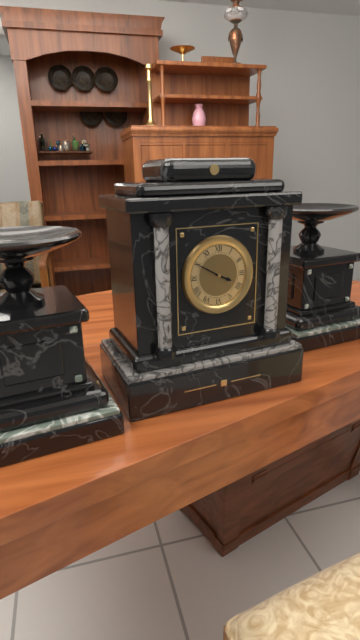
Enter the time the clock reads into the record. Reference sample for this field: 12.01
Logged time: 3.50
